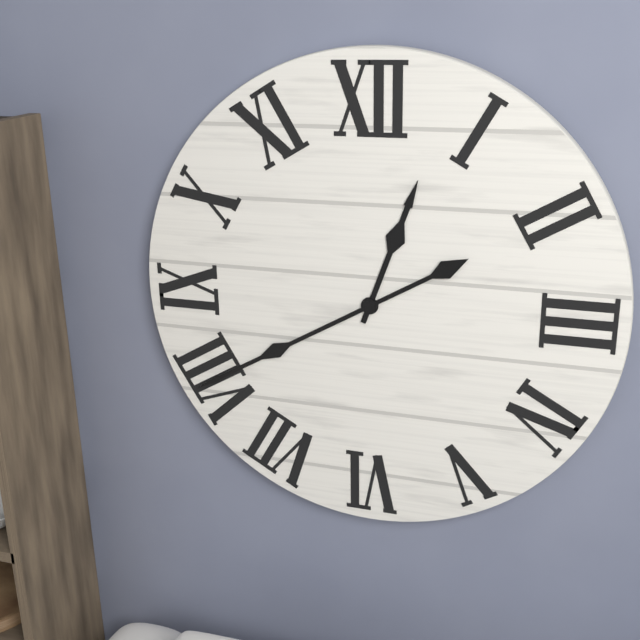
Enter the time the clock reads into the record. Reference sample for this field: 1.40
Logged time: 12.40
